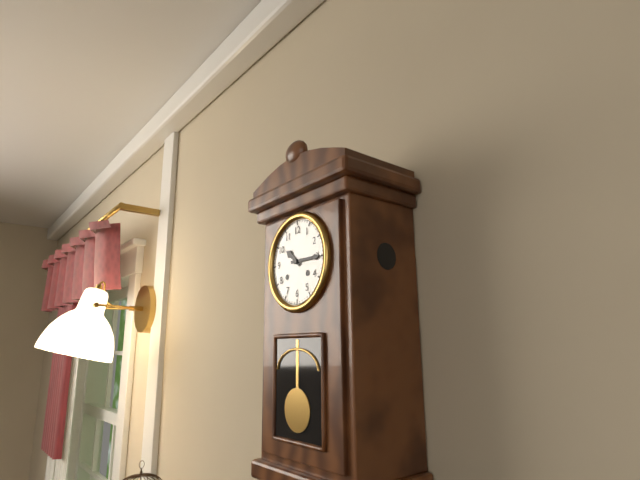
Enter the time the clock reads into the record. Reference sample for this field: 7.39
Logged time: 10.15
